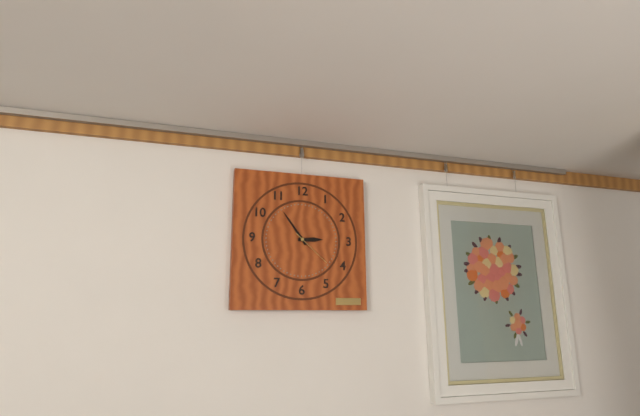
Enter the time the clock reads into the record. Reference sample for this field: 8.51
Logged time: 2.54
